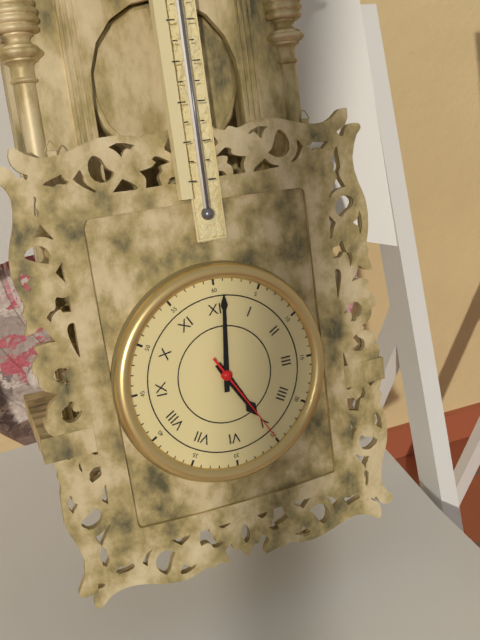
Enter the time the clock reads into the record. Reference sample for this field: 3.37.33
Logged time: 5.01.25
